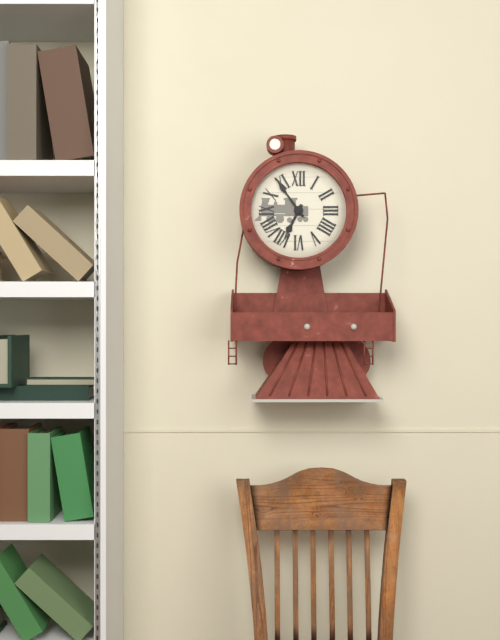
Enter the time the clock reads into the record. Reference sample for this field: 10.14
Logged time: 6.54
